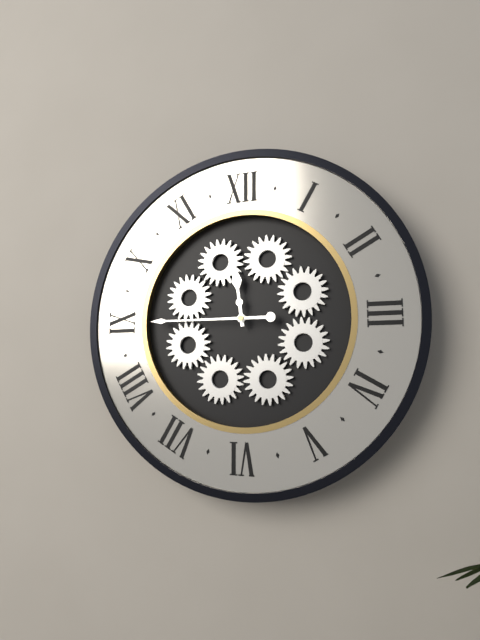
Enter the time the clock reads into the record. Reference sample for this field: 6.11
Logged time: 11.45
